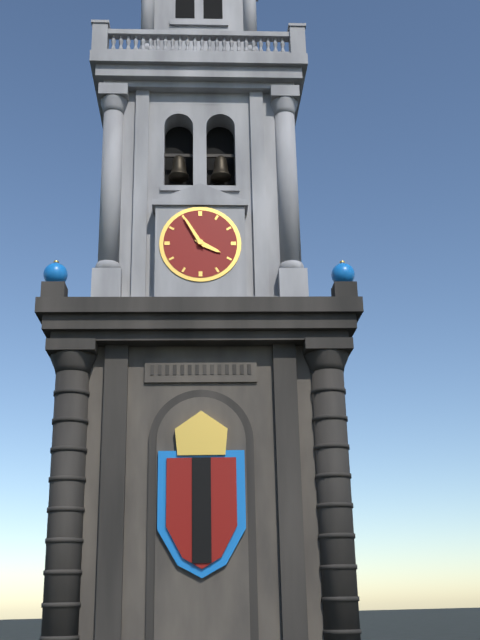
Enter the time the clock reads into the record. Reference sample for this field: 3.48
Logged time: 3.55
